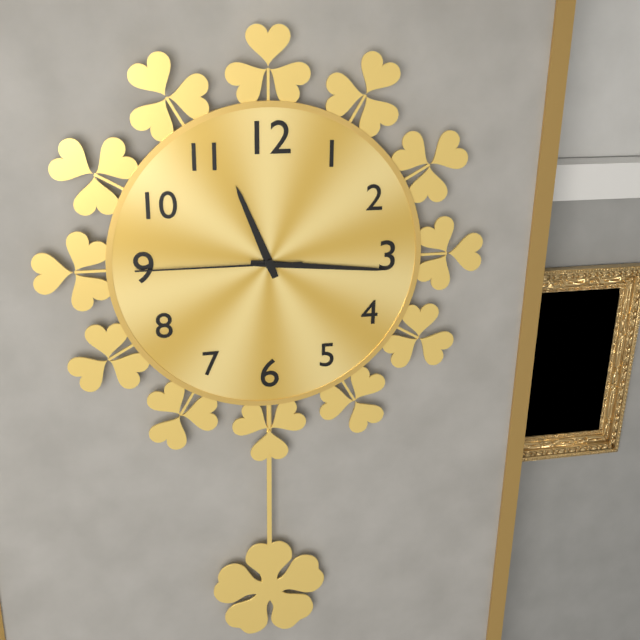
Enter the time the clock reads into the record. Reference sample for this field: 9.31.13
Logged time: 11.16.45
